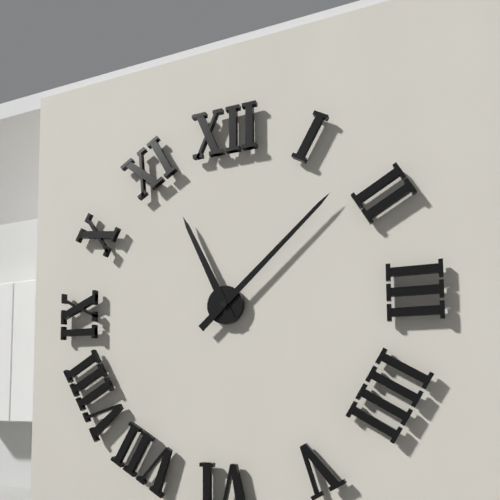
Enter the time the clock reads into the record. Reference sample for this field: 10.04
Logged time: 11.08
